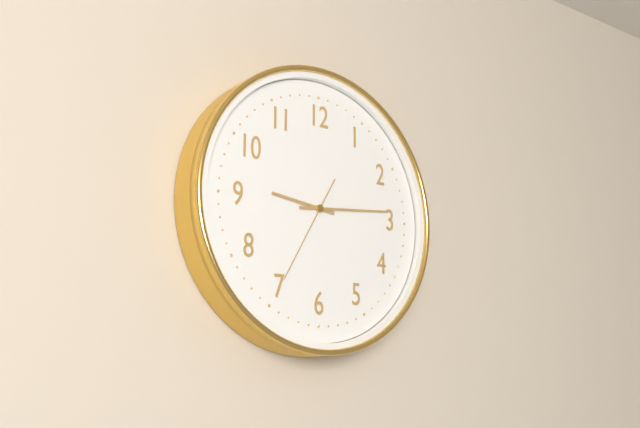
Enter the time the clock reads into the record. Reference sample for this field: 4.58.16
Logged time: 9.14.35
